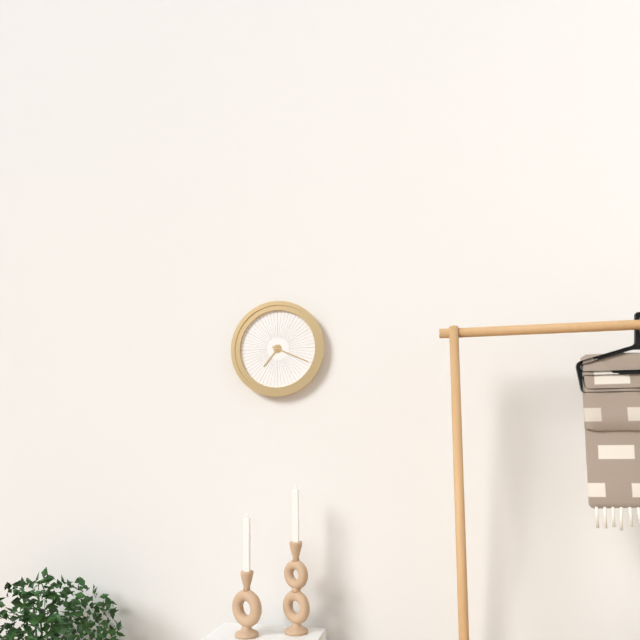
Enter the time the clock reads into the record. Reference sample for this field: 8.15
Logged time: 7.19
